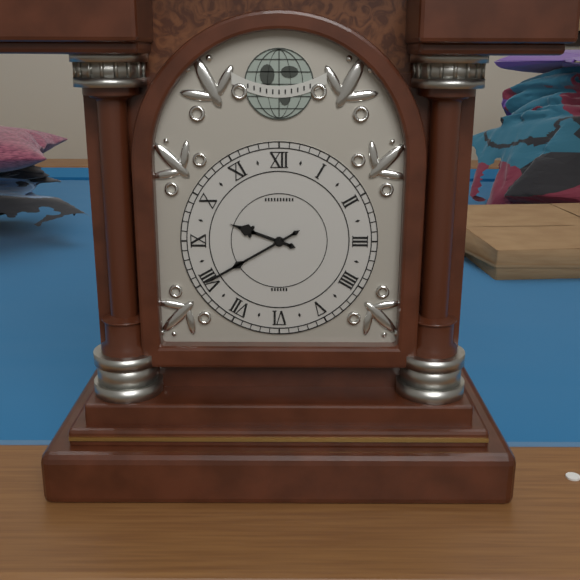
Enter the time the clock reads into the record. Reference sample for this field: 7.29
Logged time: 9.40
